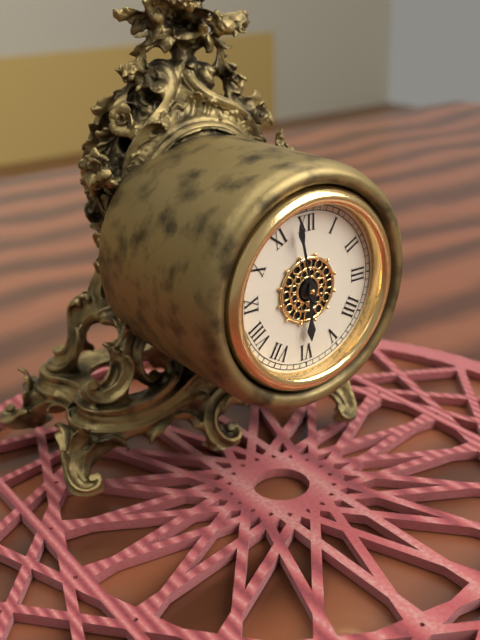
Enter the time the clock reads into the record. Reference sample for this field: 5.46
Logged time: 5.58
